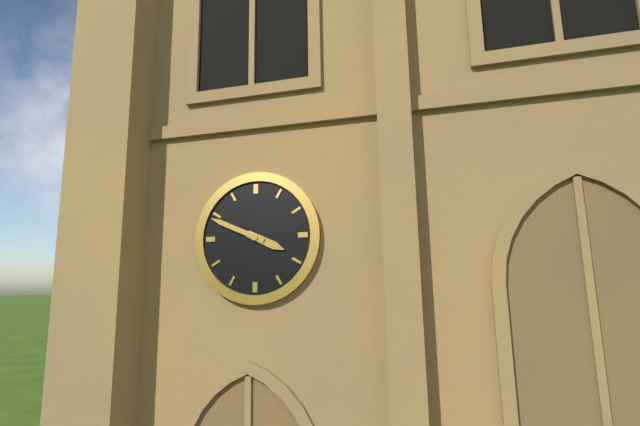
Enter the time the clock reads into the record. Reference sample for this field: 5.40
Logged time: 3.49
